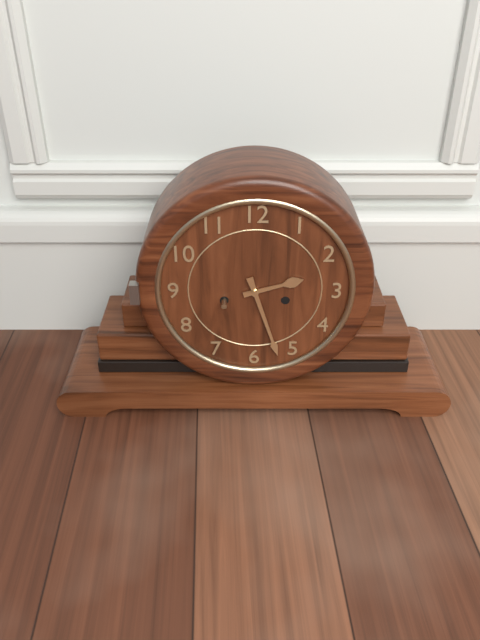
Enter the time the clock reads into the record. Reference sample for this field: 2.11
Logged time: 2.27
